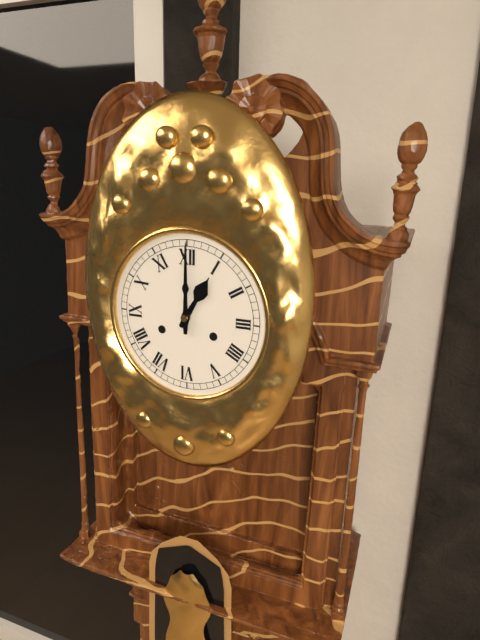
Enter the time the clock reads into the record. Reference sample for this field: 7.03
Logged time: 1.00
